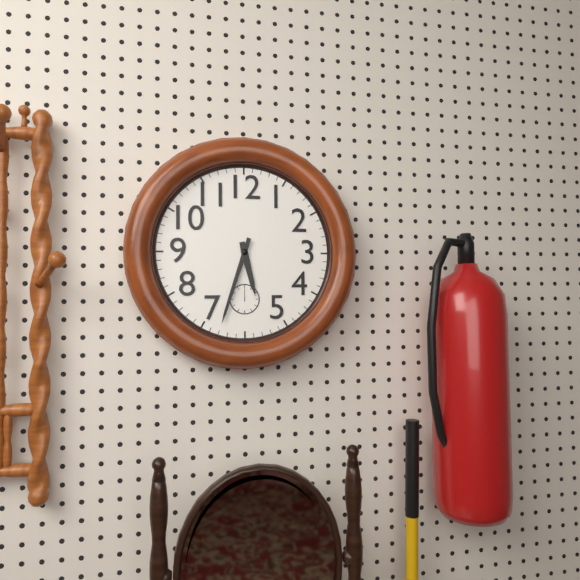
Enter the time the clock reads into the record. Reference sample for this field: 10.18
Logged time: 5.33
